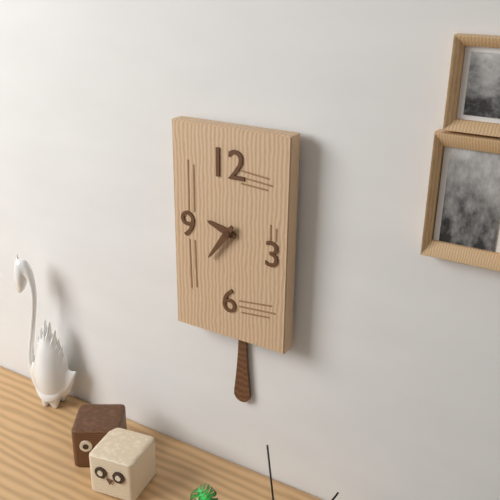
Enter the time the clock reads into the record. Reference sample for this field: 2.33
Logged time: 9.36
